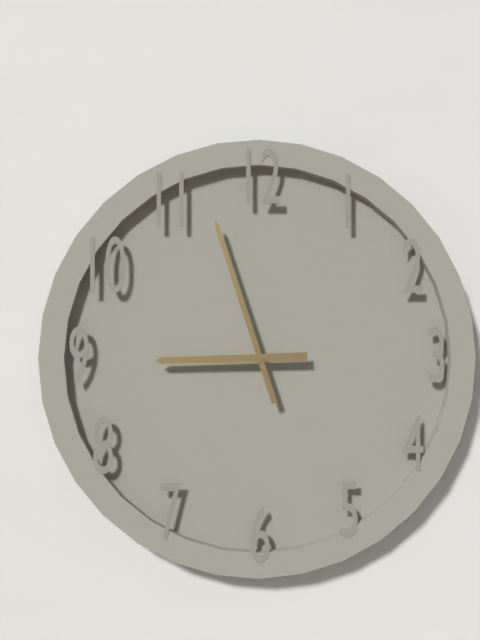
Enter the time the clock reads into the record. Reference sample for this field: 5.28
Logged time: 8.57
